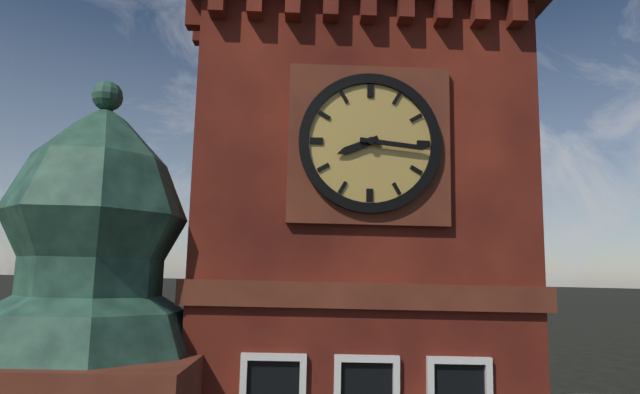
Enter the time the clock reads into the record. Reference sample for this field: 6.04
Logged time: 8.16
